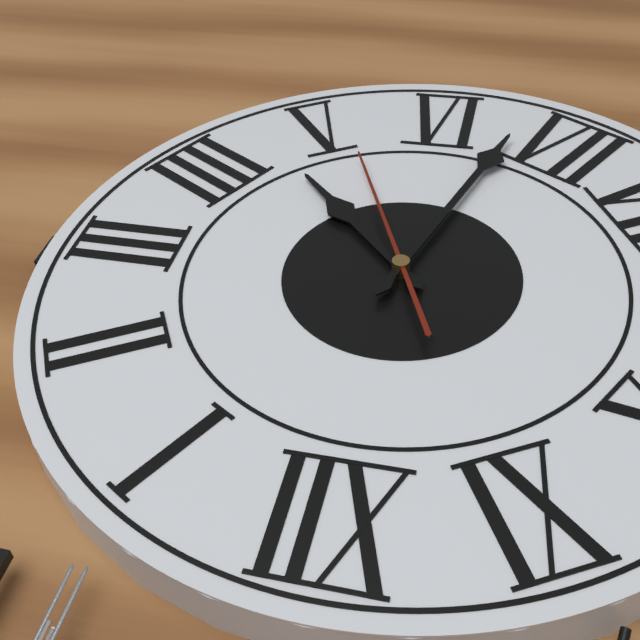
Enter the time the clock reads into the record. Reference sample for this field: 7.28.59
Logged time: 4.33.26
